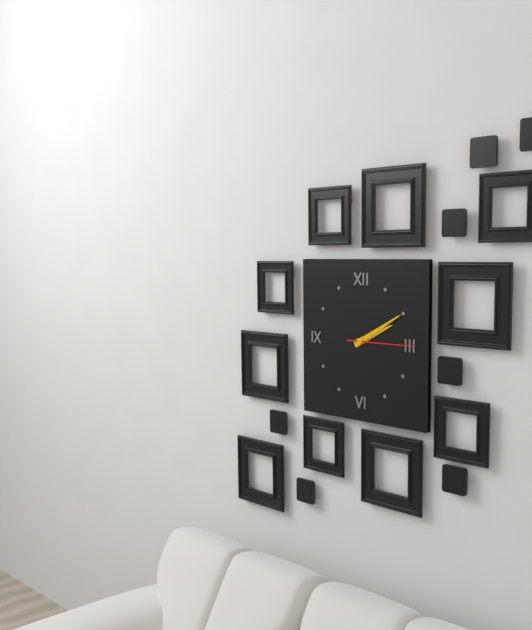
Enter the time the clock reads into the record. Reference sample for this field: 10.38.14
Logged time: 2.10.15
